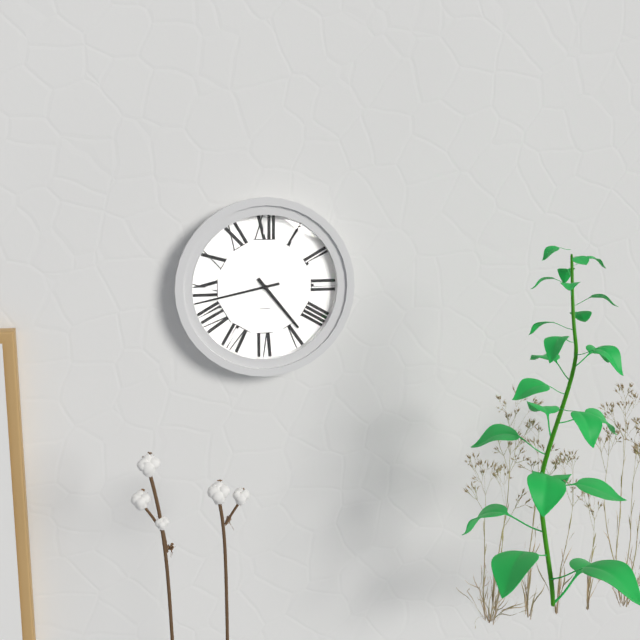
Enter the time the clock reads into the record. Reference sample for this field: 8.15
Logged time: 4.43
